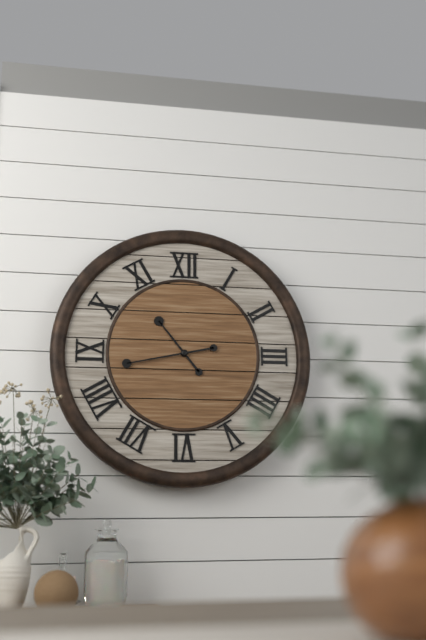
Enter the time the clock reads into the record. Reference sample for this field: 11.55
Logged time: 10.43
